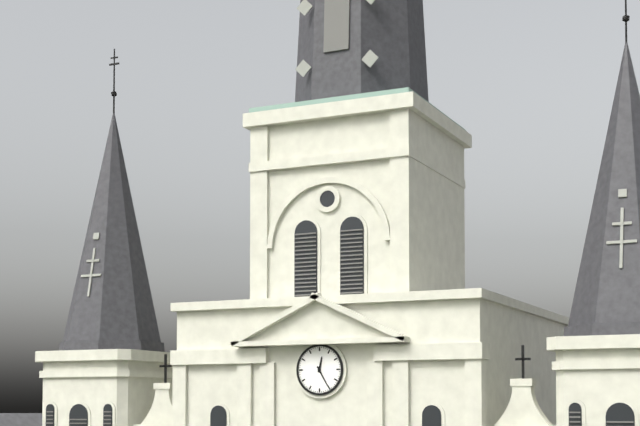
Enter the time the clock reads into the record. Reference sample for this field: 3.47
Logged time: 12.25
